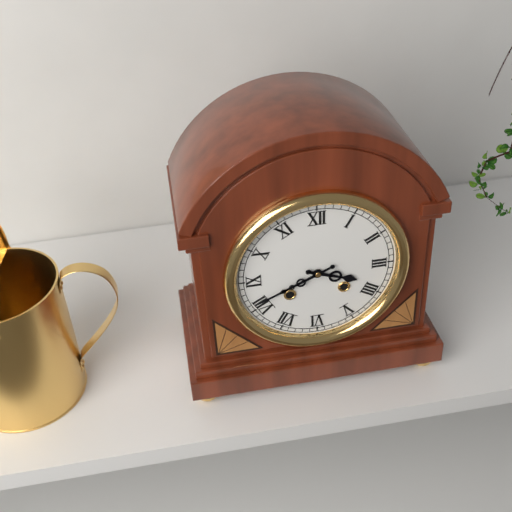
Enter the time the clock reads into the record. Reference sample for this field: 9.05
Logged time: 3.41
